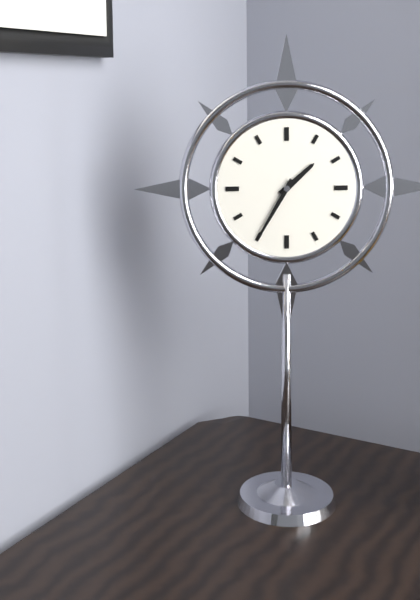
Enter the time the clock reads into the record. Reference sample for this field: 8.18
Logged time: 1.35
